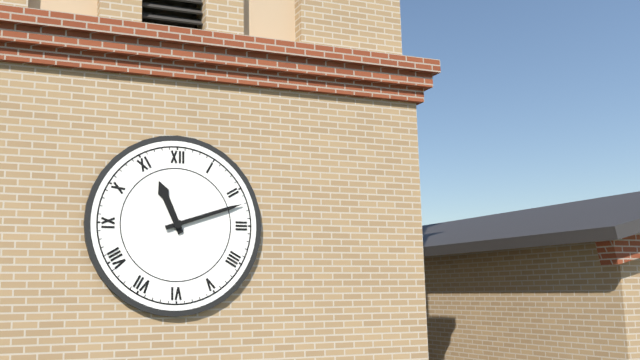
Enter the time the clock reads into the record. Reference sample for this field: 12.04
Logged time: 11.12
